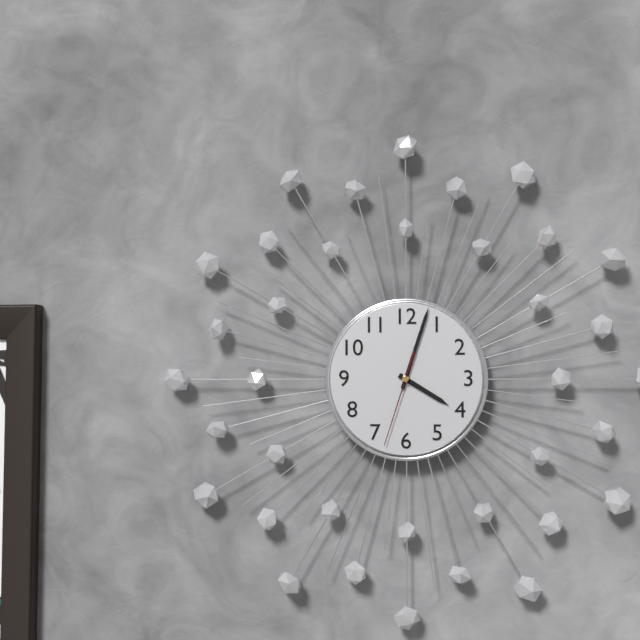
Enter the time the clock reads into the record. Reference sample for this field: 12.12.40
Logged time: 4.03.33
